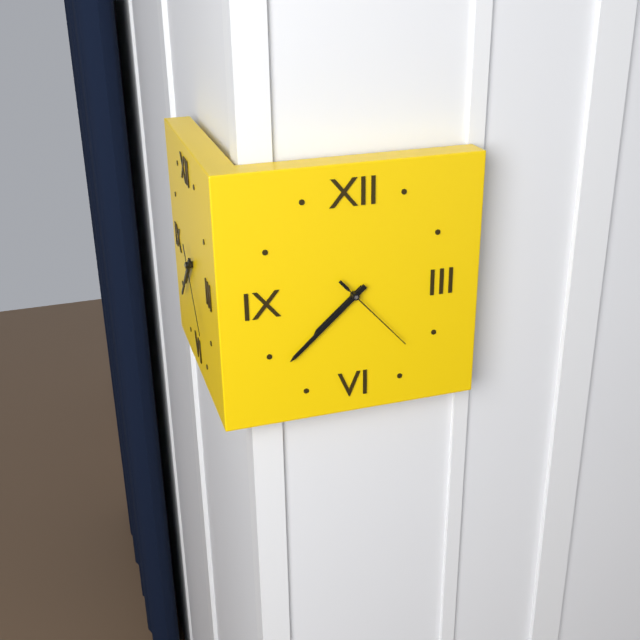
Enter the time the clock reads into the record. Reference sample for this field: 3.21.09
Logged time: 7.38.23
